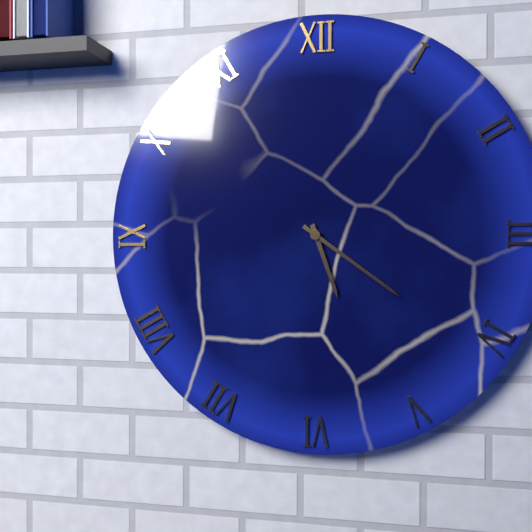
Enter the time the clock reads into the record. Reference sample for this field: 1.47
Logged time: 5.21
